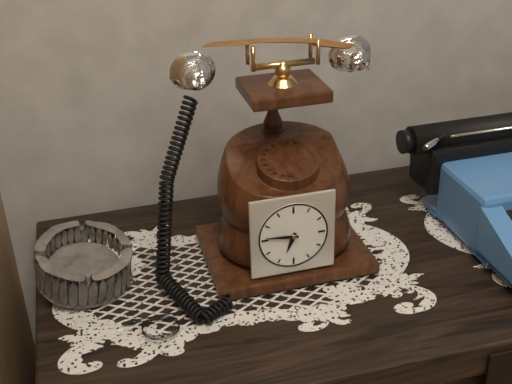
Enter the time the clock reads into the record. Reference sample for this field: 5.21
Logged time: 6.46
